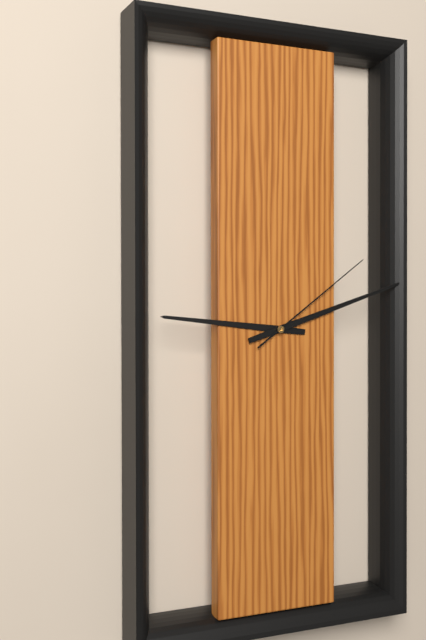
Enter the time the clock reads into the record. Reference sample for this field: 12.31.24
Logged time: 9.12.09
